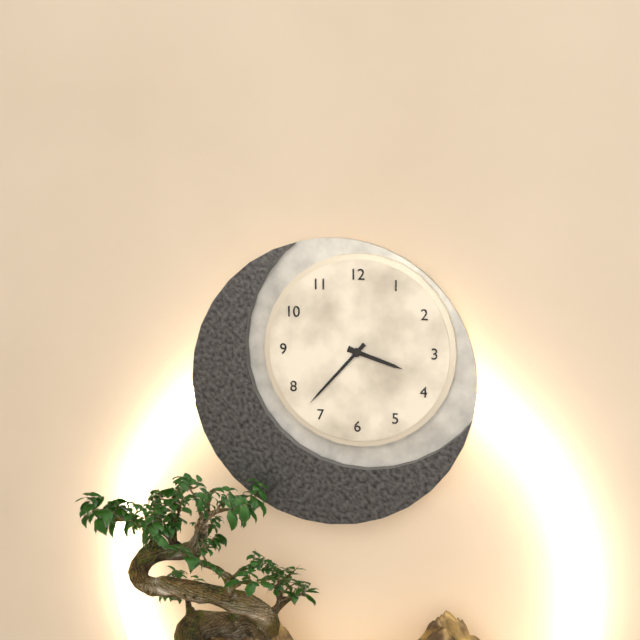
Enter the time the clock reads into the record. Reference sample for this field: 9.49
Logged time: 3.37
